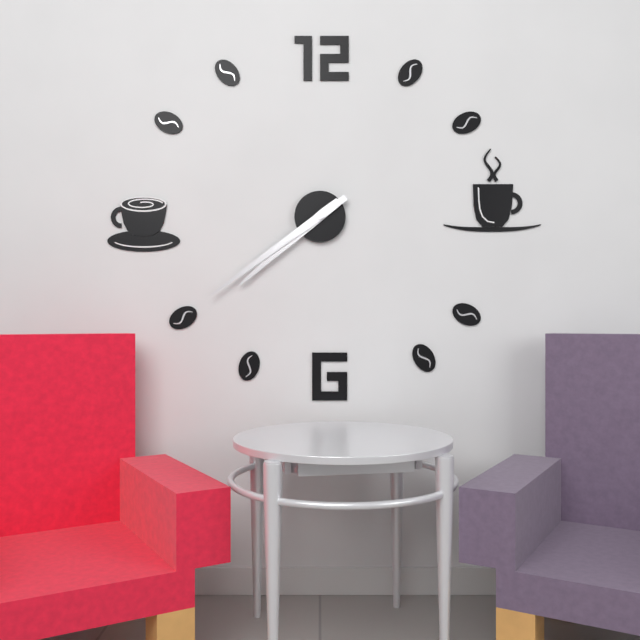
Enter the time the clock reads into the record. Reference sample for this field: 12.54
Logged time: 7.39
